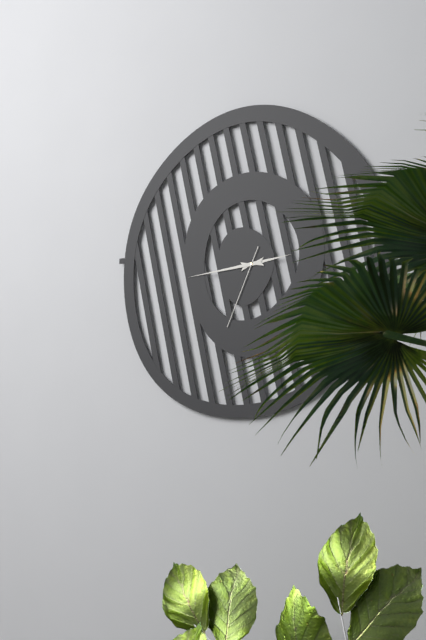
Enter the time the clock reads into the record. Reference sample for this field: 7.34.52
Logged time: 2.44.34
